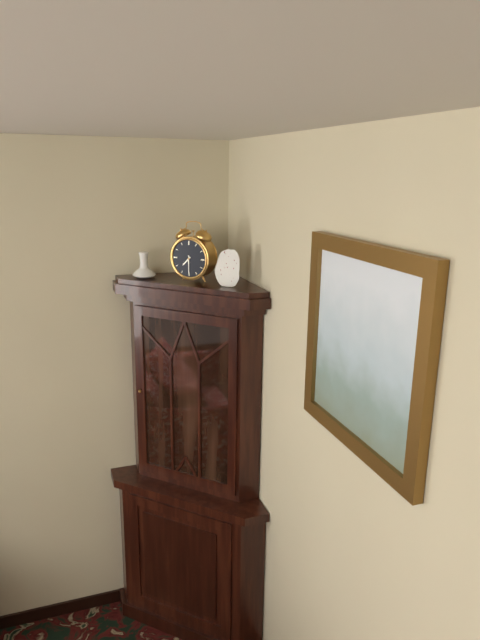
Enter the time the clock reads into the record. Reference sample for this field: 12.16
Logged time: 7.30
